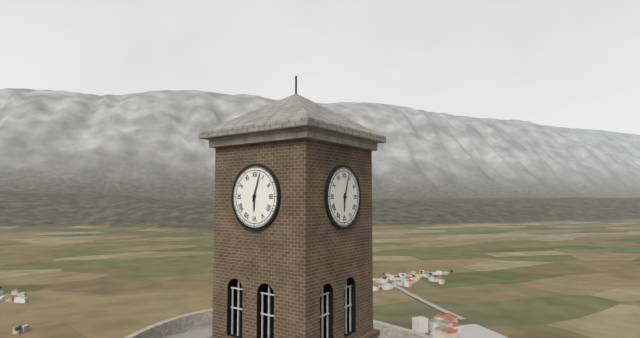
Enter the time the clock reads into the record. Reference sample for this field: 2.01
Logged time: 6.03
